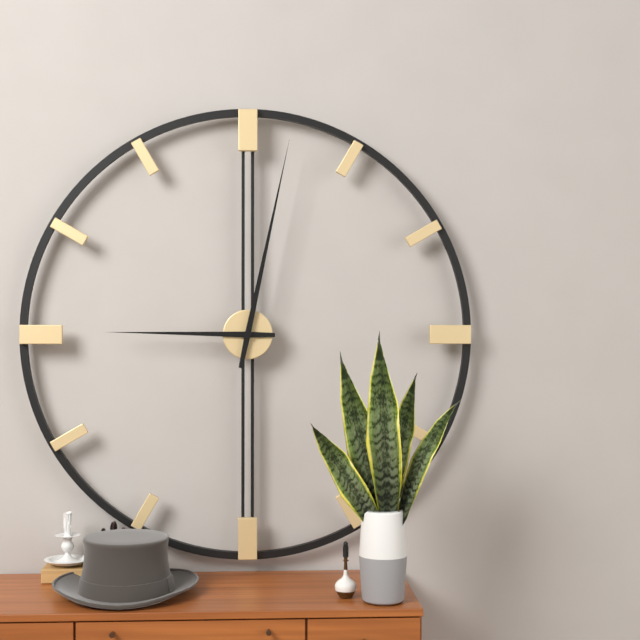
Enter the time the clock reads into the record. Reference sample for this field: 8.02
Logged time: 9.02
